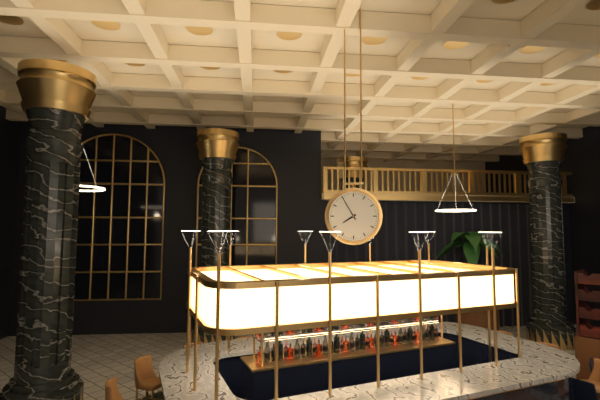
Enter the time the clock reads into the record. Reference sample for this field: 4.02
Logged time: 7.55
